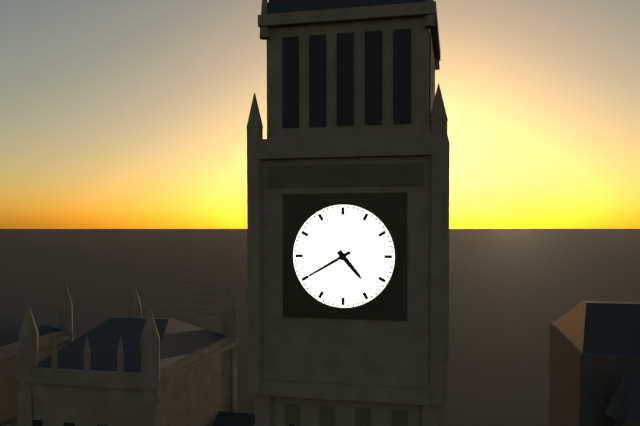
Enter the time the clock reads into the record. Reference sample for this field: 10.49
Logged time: 4.40
